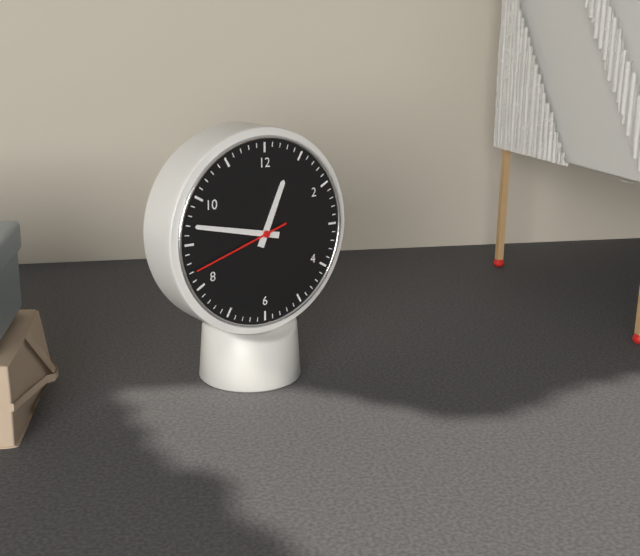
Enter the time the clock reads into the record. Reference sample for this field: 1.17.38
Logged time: 12.47.42
